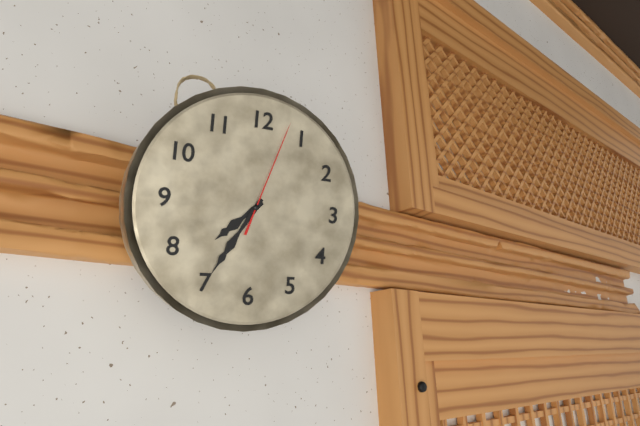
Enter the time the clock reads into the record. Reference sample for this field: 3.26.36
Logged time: 7.35.03
